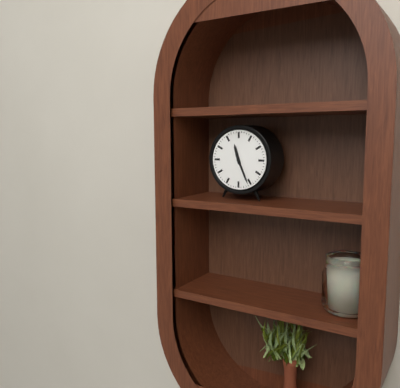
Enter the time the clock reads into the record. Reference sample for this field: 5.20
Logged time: 11.26
